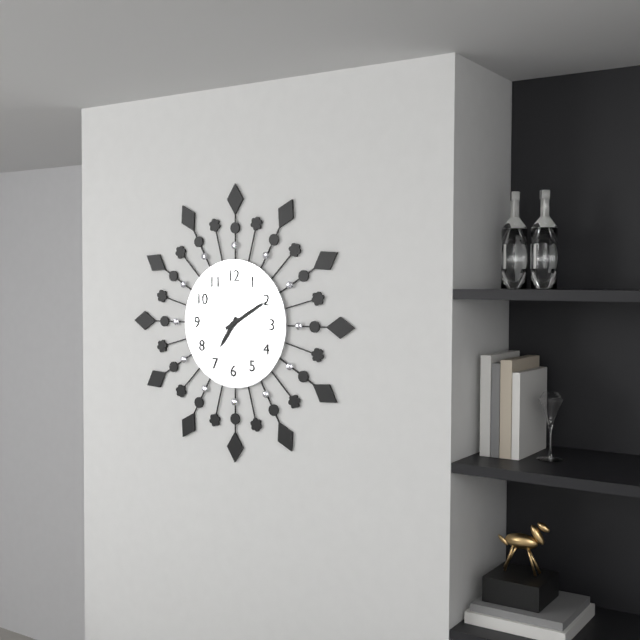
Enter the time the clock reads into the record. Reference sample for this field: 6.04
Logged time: 7.10
